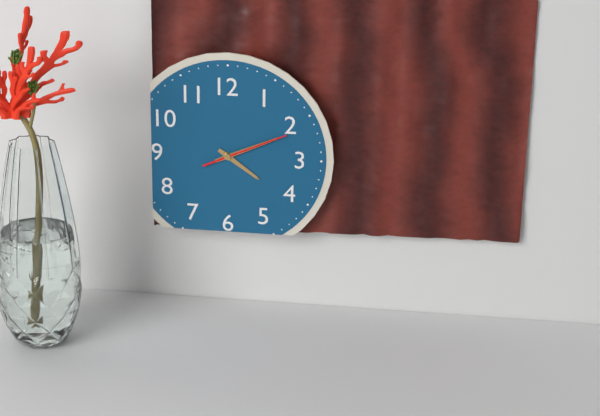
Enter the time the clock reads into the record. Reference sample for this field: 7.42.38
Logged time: 4.11.11
